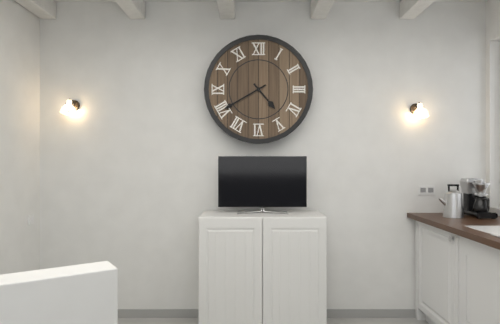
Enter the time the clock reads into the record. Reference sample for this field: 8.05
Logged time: 4.40
